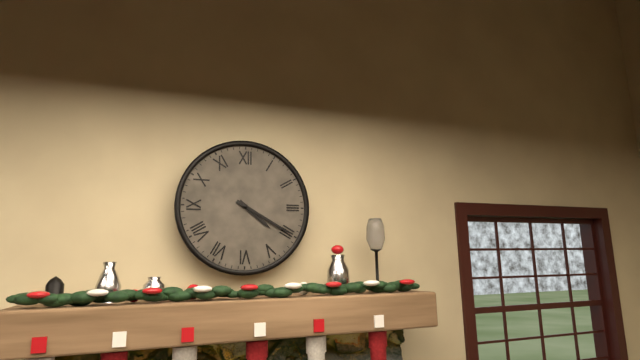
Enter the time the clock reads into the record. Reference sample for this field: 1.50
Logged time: 4.20
